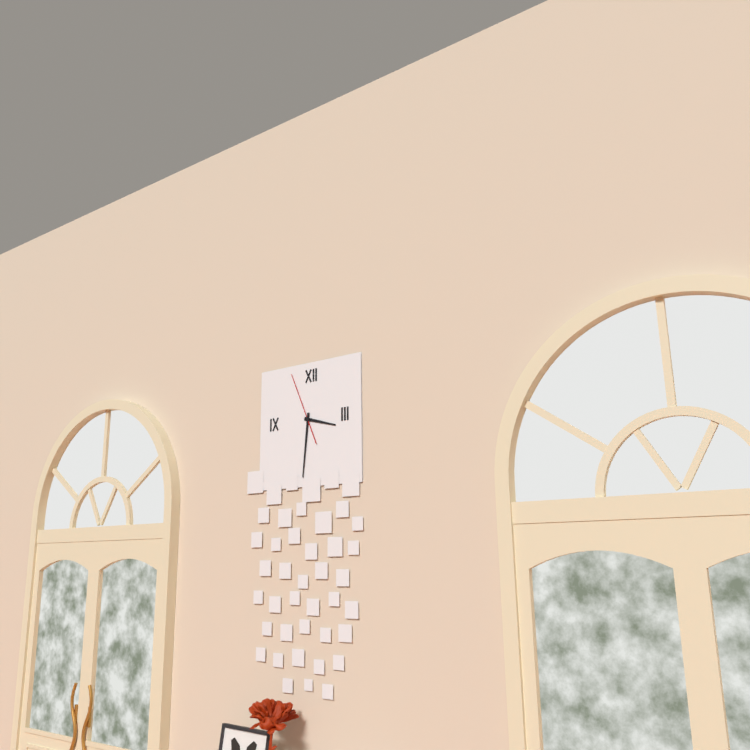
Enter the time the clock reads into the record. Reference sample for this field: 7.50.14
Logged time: 3.31.56
